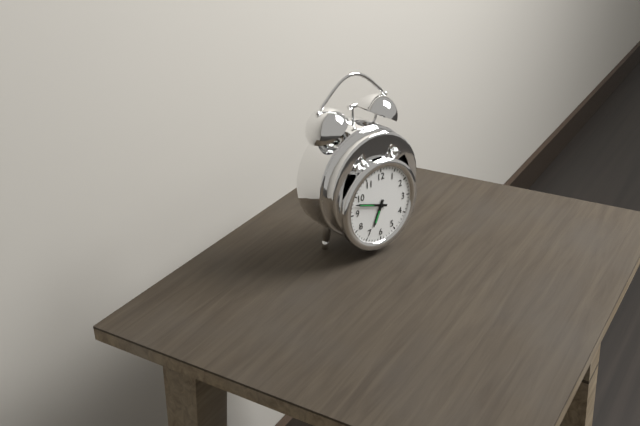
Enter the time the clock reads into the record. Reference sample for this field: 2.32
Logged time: 6.48
